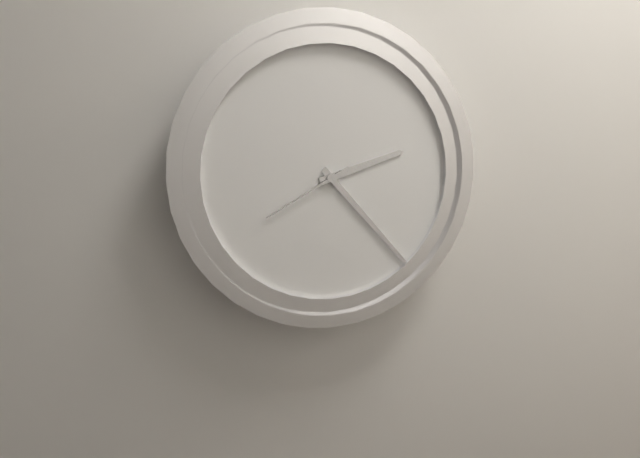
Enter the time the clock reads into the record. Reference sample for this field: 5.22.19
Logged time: 2.23.40
